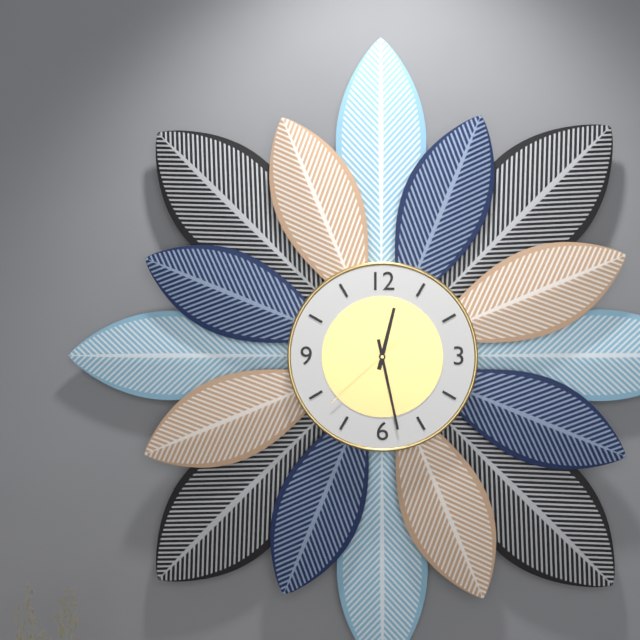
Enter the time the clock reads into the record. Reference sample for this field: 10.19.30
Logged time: 12.28.38
